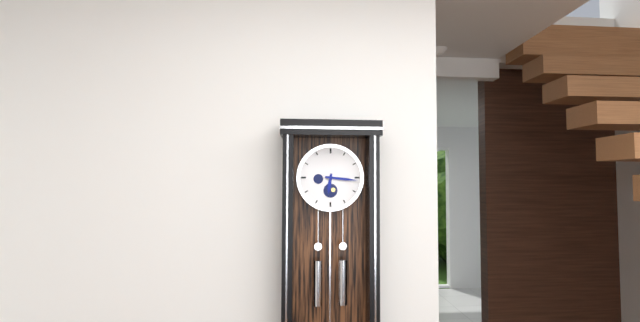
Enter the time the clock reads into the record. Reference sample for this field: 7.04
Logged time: 6.16
